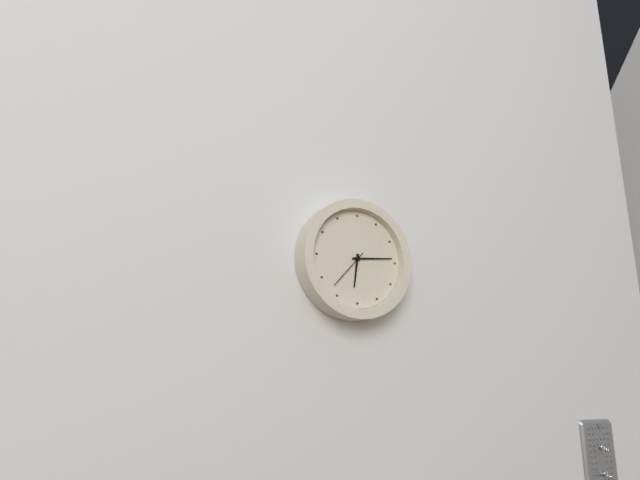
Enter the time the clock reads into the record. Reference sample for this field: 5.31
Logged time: 6.14
